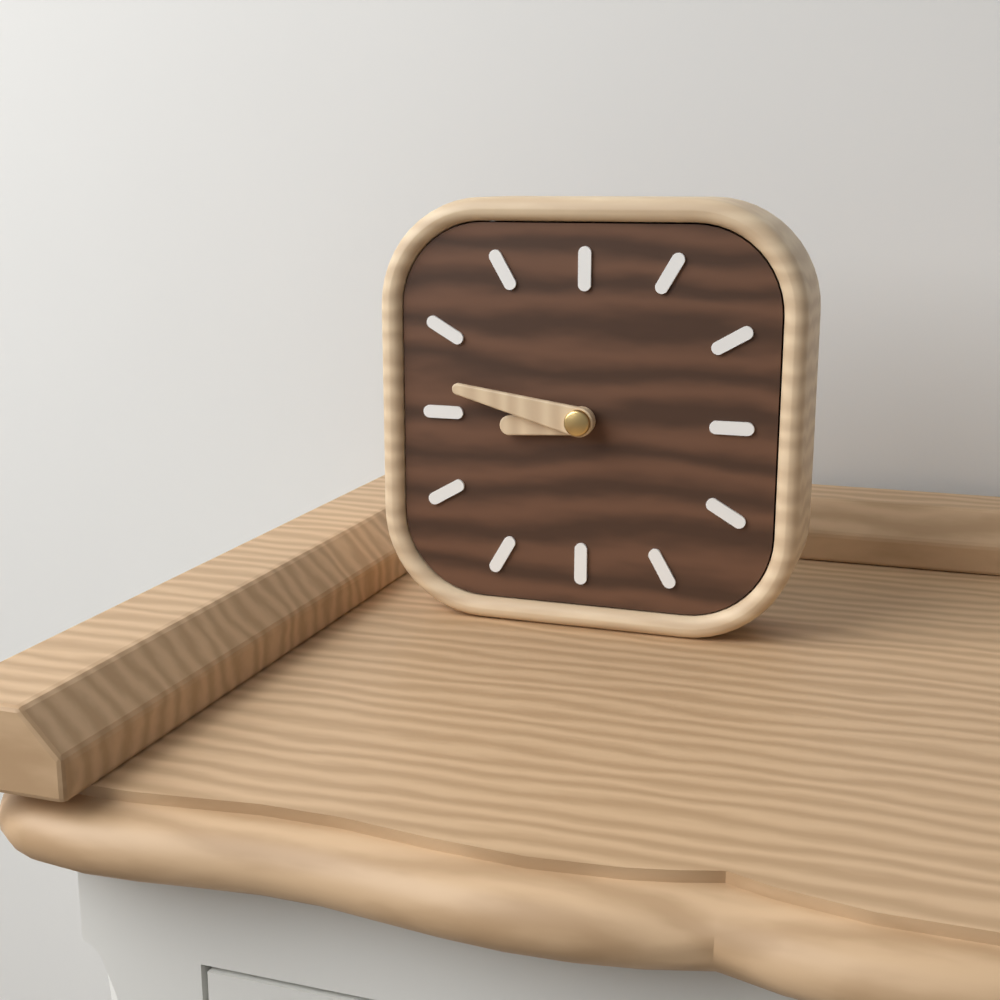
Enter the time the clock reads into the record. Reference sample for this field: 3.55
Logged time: 8.47
